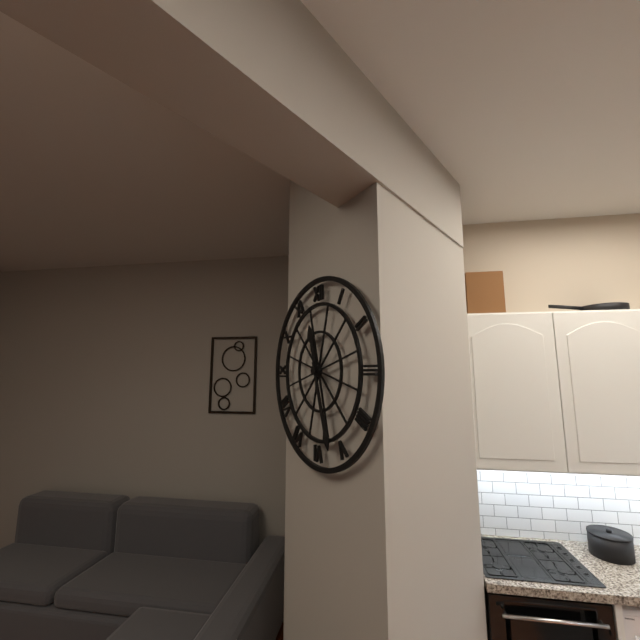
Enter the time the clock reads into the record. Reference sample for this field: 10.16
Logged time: 11.27
